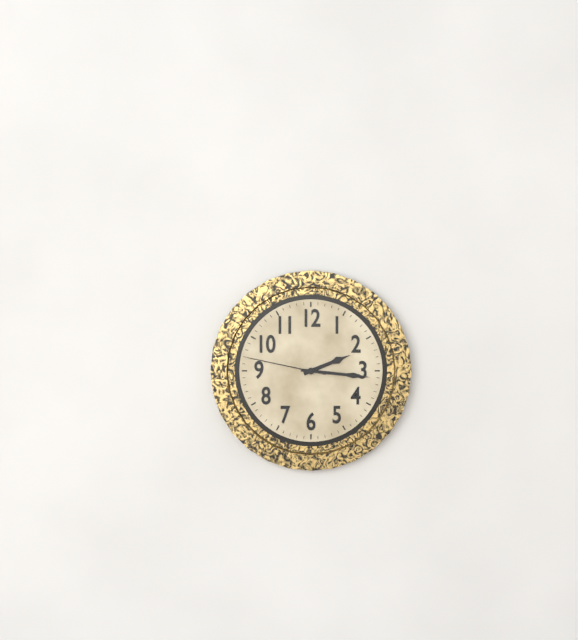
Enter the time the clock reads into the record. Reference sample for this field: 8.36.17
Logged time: 2.16.47
